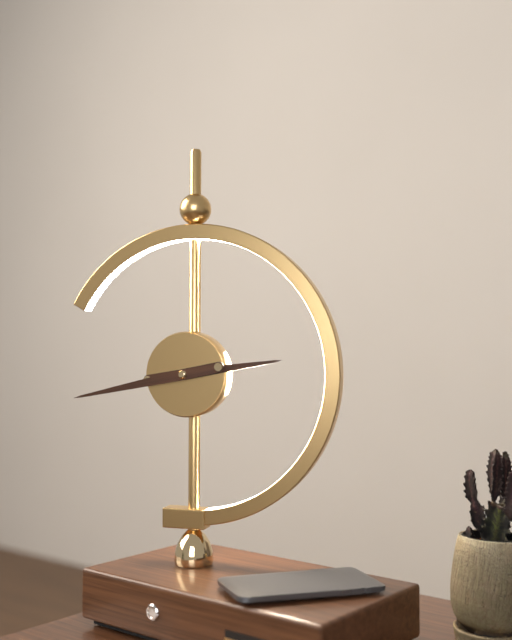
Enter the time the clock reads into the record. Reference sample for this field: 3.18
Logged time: 2.43
